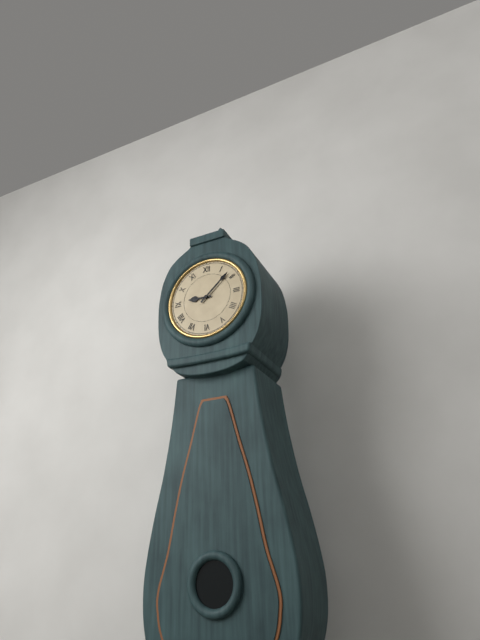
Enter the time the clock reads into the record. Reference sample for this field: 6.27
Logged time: 9.08
